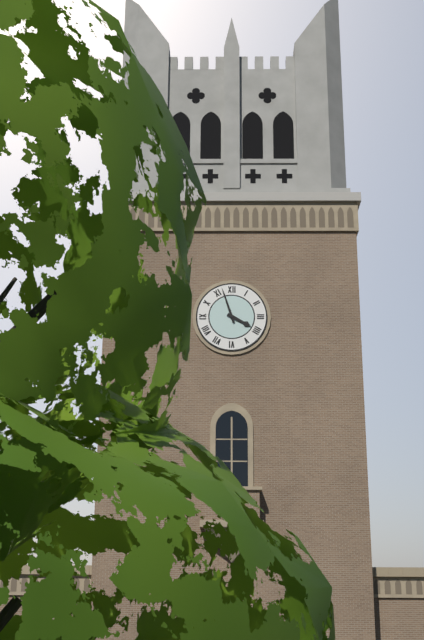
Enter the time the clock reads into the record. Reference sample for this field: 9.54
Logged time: 3.57
